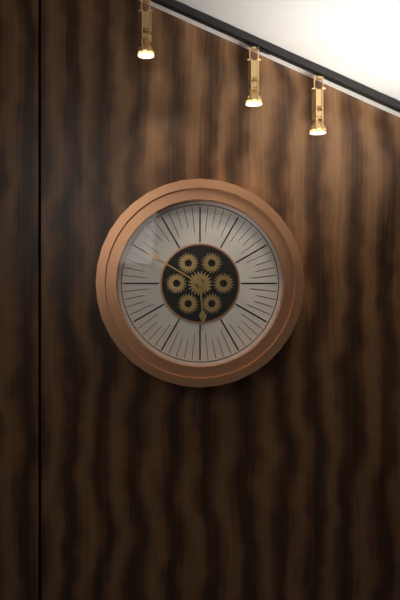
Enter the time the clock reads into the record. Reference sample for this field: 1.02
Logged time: 5.50
